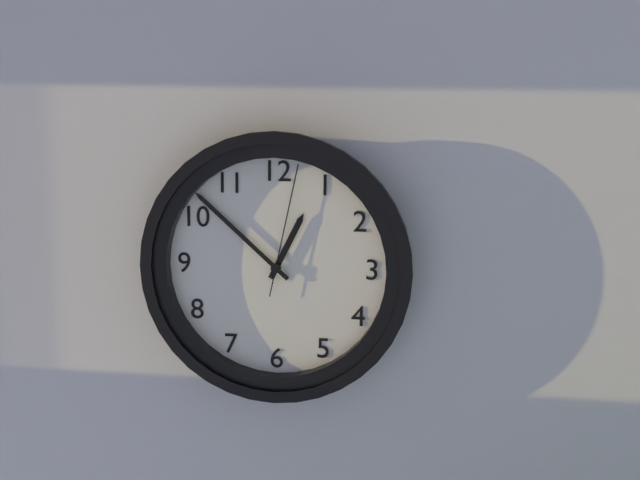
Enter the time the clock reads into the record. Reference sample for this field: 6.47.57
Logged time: 12.52.02
